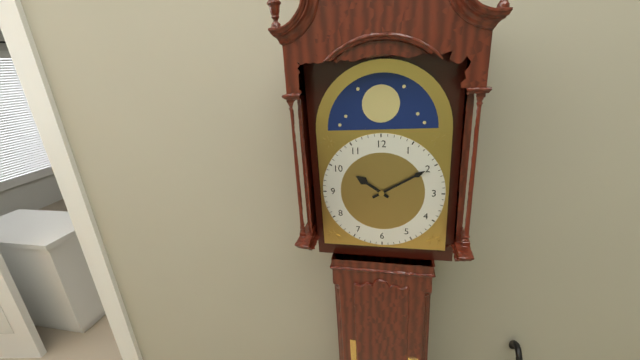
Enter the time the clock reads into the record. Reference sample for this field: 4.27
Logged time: 10.10
